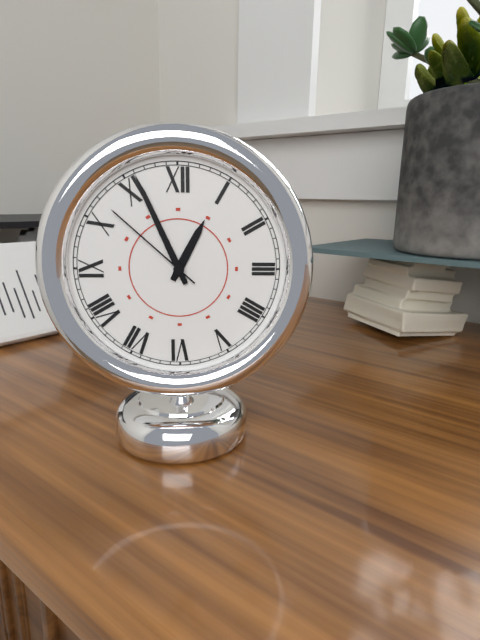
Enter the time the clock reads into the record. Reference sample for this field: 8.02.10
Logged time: 12.56.52
